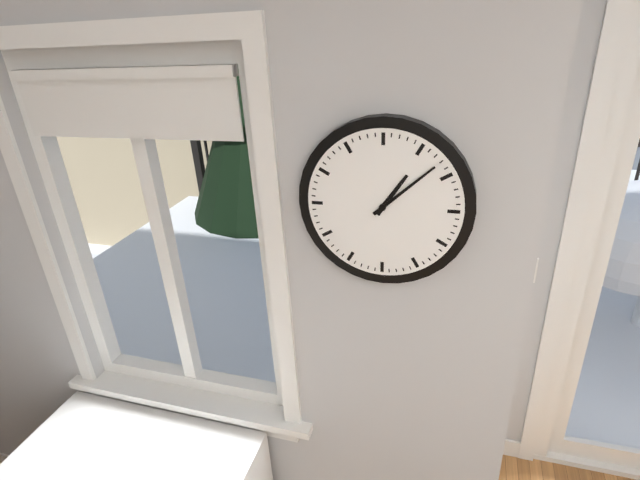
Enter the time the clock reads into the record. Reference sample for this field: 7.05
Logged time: 1.08
